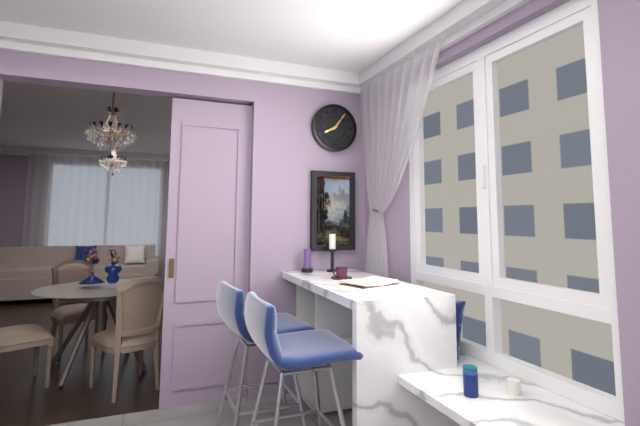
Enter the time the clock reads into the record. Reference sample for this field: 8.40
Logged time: 8.06
